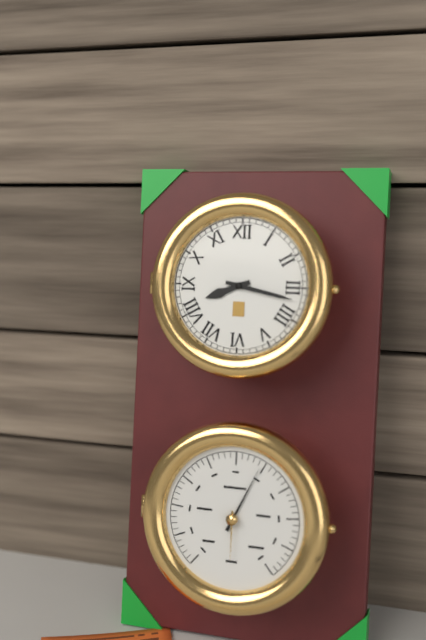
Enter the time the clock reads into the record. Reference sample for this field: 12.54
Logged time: 8.17
